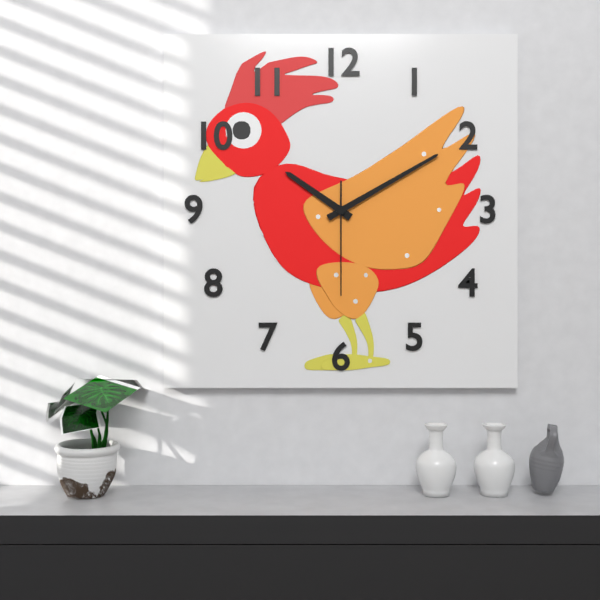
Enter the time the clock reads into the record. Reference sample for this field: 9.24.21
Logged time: 10.10.30
